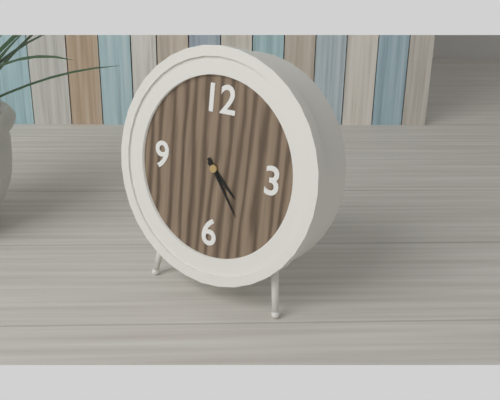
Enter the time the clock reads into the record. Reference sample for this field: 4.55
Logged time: 4.24
